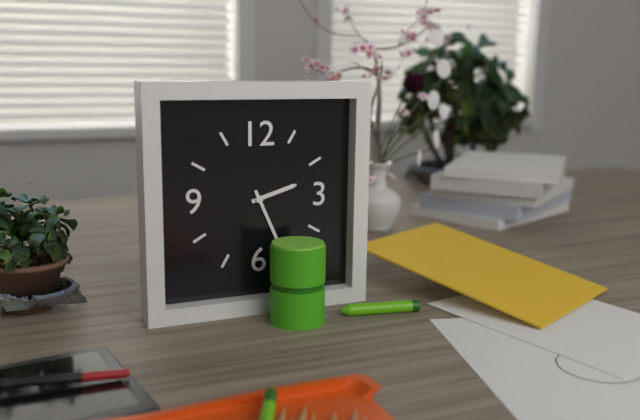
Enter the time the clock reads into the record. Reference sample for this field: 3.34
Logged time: 2.26
